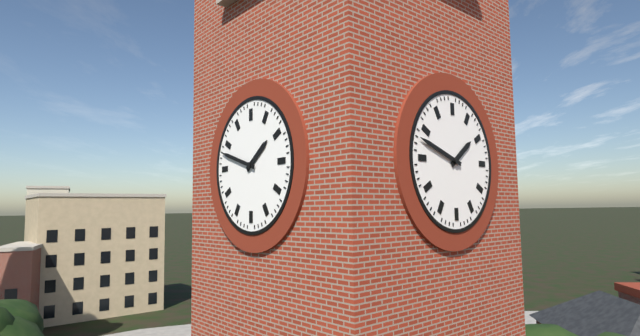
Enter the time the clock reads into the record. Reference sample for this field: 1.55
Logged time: 1.48
